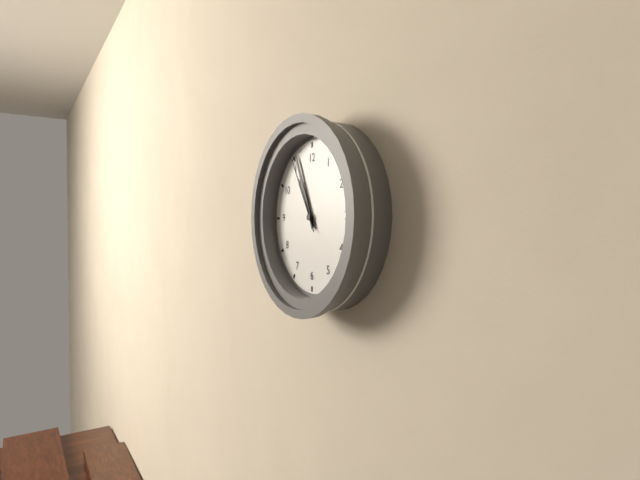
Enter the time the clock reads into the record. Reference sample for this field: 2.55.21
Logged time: 10.56.55
